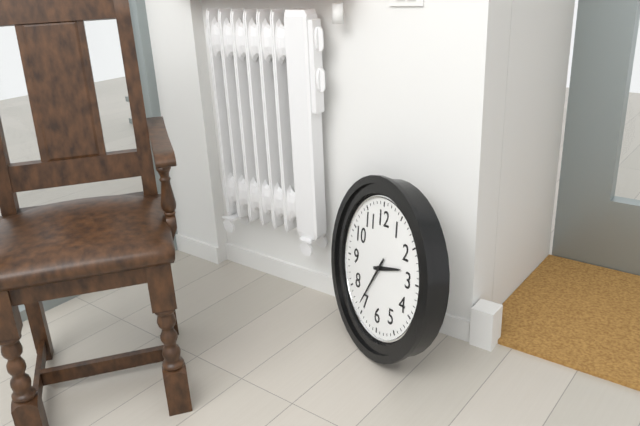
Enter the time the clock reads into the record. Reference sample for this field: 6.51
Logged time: 2.36
